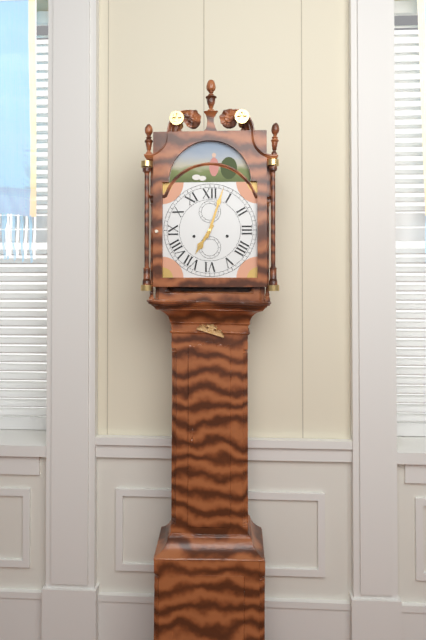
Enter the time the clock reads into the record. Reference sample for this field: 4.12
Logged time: 7.03
